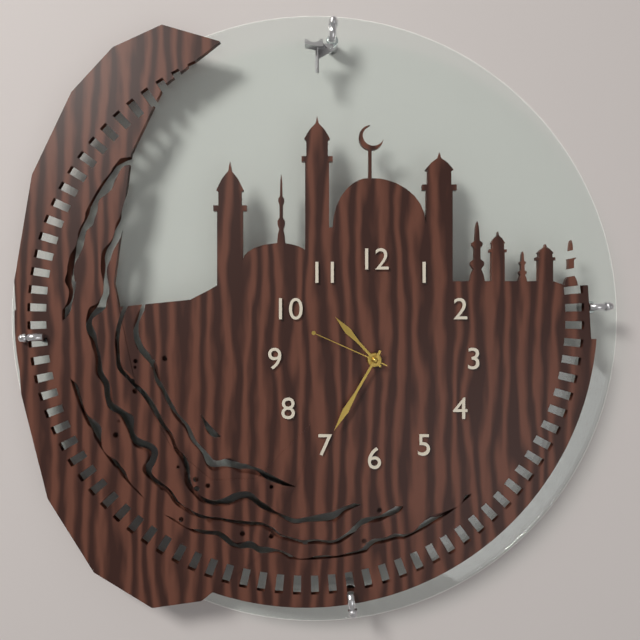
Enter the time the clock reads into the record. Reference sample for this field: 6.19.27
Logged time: 10.35.49
